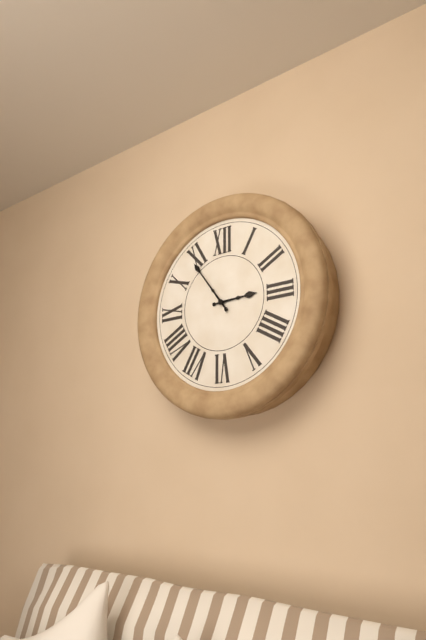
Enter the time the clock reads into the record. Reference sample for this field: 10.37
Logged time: 2.54
